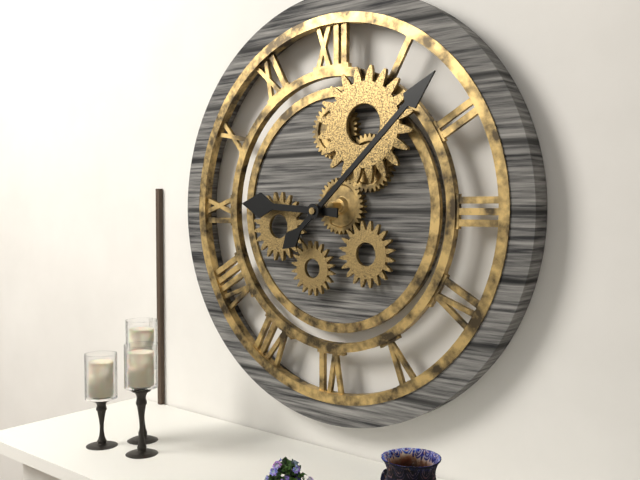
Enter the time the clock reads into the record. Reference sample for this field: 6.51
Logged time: 9.08
